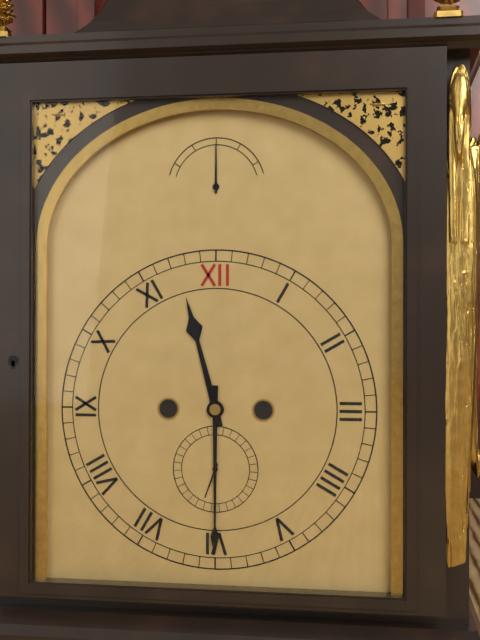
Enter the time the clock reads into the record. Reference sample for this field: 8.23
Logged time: 11.30
